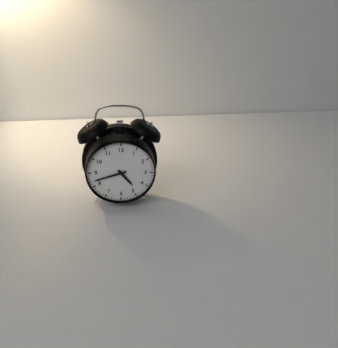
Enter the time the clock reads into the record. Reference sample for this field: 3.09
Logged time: 4.42
